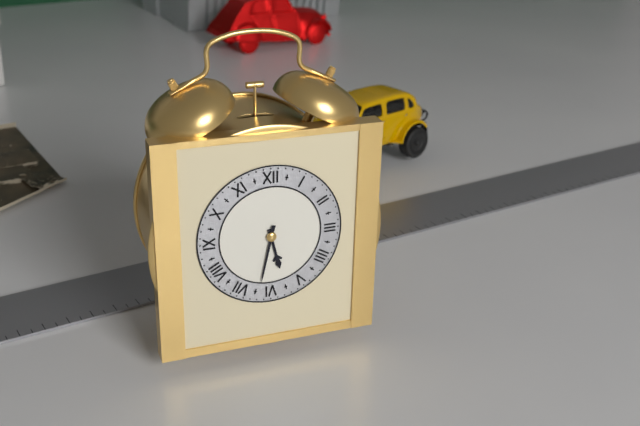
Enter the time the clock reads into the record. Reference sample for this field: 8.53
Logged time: 5.32
